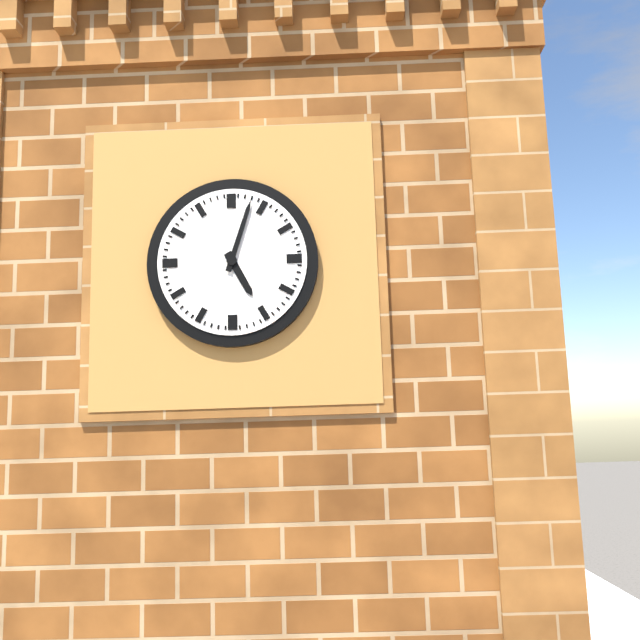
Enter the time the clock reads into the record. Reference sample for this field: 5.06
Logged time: 5.03
